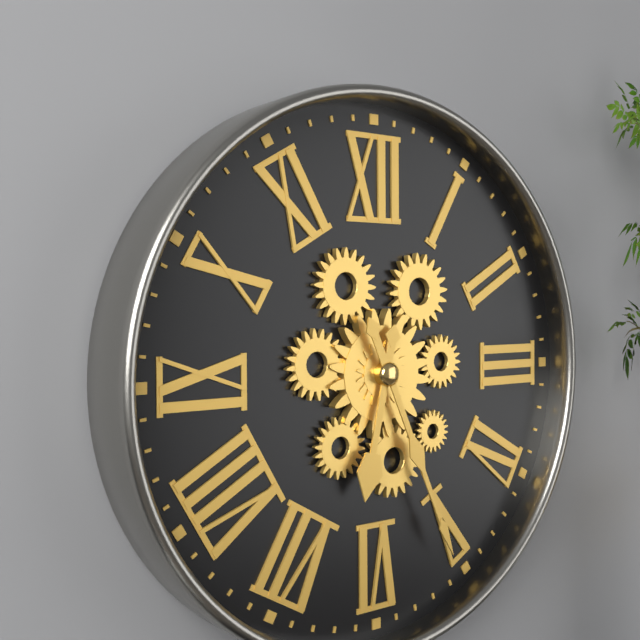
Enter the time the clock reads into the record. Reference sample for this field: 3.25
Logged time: 6.26
